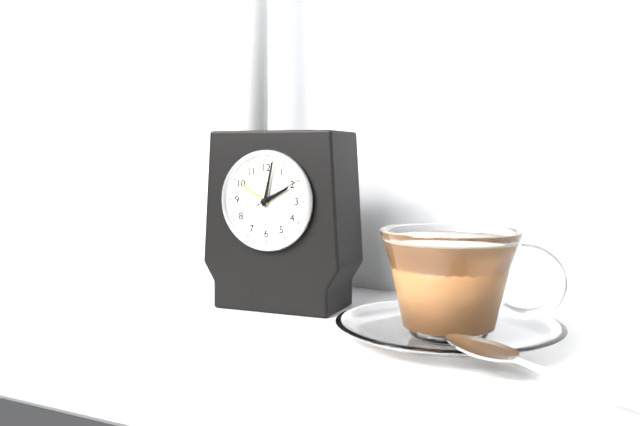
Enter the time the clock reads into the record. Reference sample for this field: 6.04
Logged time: 2.02
